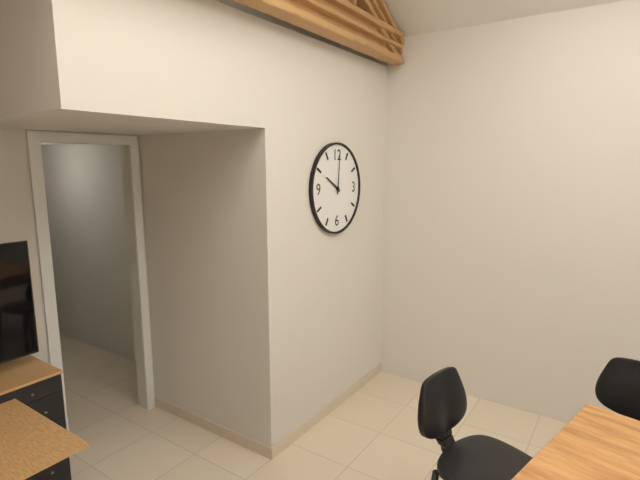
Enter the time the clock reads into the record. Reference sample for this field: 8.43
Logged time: 10.01
